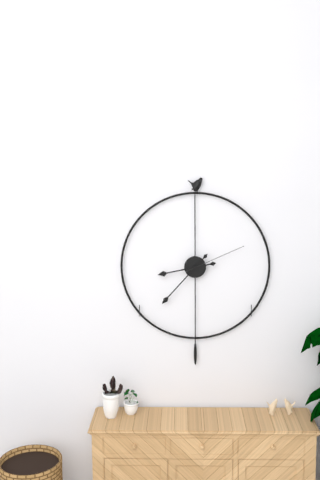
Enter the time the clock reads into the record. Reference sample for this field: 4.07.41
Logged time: 8.37.11
